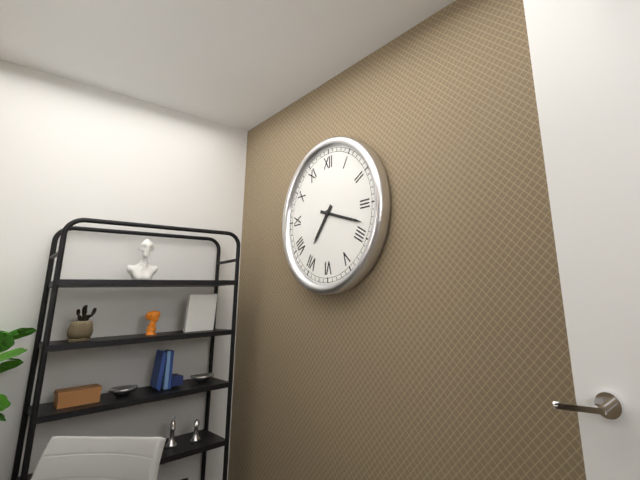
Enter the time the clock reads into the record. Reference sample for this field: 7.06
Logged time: 7.18
